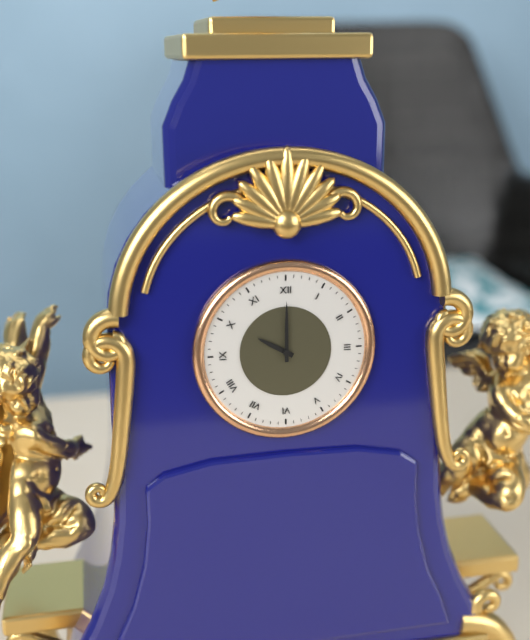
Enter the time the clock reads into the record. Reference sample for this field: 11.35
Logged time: 10.00
